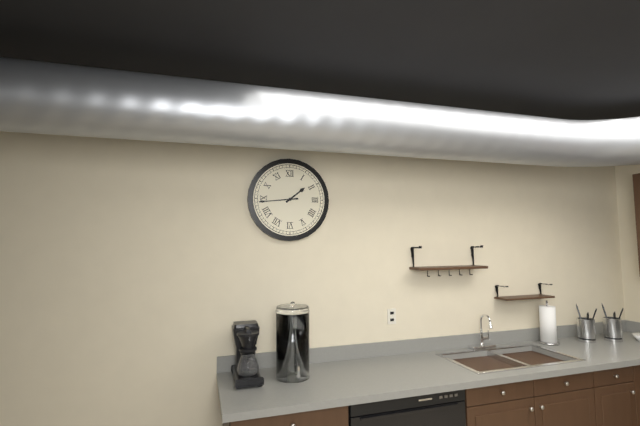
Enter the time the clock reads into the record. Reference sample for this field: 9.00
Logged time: 1.44
